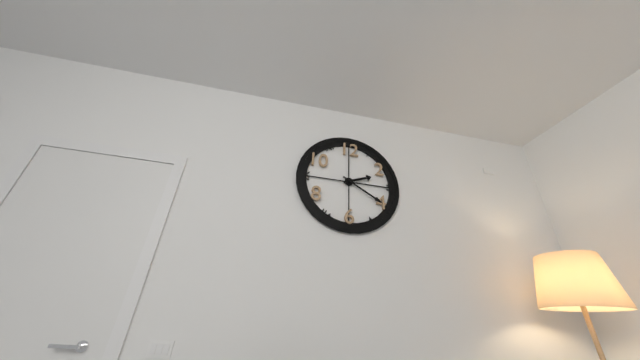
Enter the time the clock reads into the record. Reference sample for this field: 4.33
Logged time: 2.20
